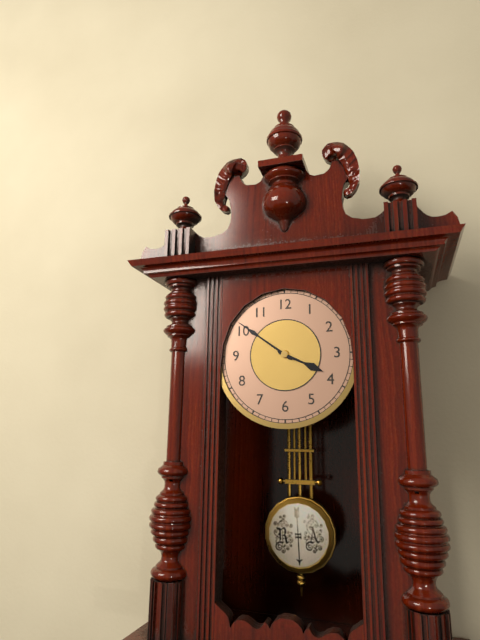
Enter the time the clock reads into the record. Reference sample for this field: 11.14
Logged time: 3.51
